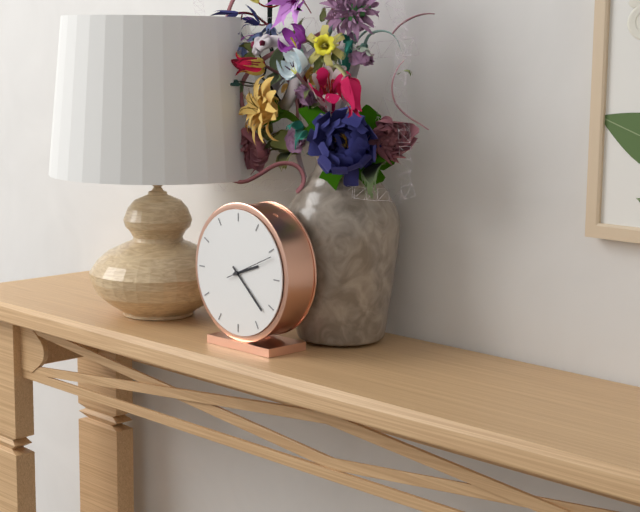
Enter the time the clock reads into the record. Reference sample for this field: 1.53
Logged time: 2.22
